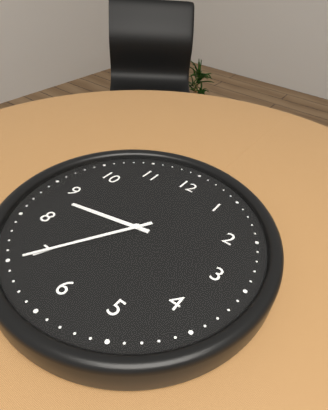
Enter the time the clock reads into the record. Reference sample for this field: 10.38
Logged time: 8.35
